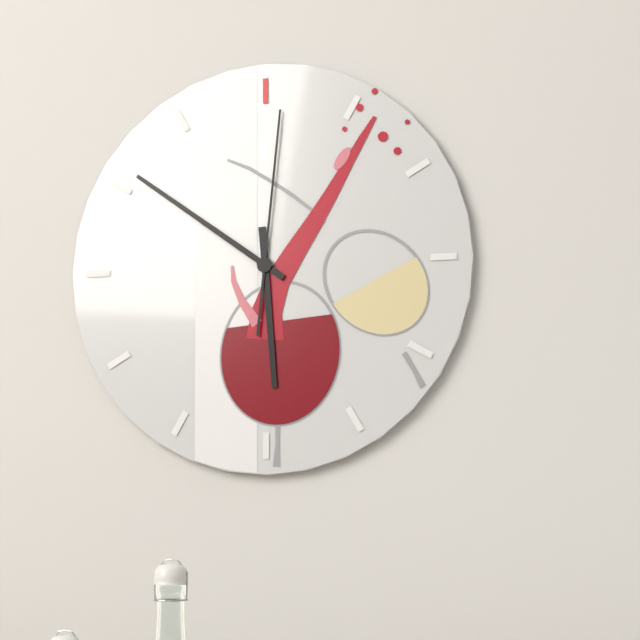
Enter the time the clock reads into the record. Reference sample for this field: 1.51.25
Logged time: 5.51.01
